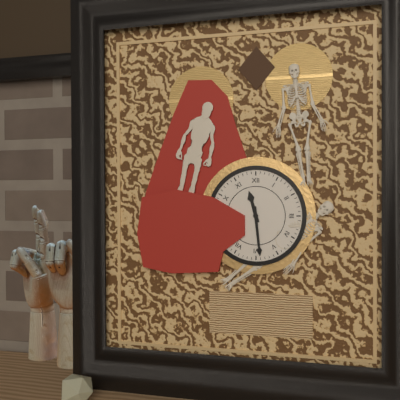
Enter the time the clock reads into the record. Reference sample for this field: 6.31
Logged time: 11.29
